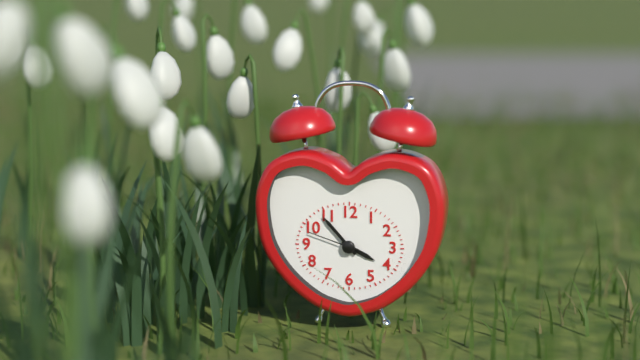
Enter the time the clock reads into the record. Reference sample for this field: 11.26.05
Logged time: 3.53.48
